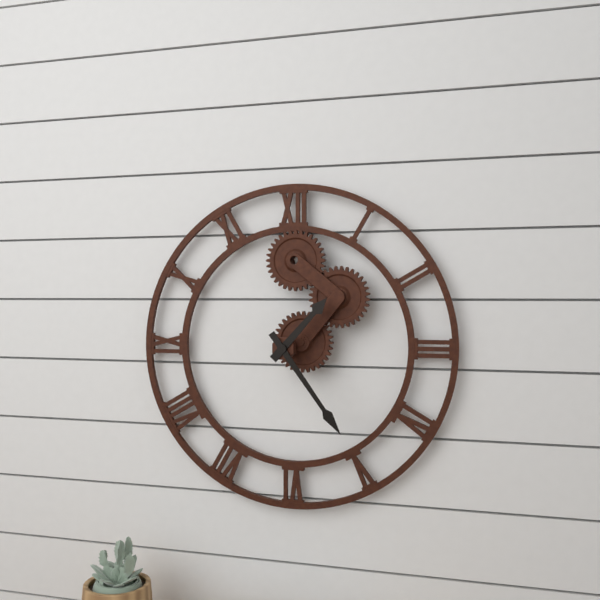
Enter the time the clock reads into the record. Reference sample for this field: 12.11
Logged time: 1.24
